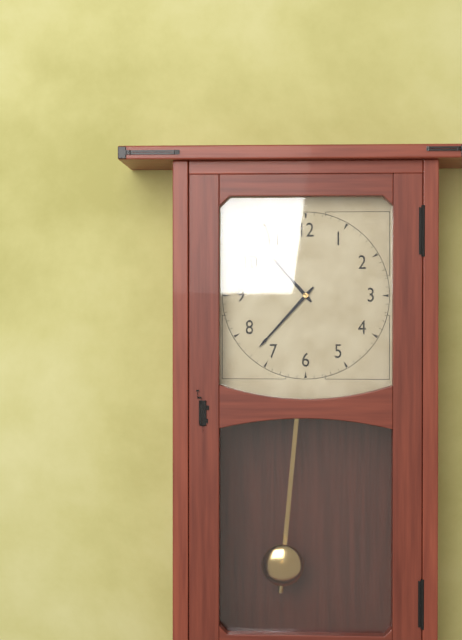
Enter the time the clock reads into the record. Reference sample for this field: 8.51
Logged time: 10.37
